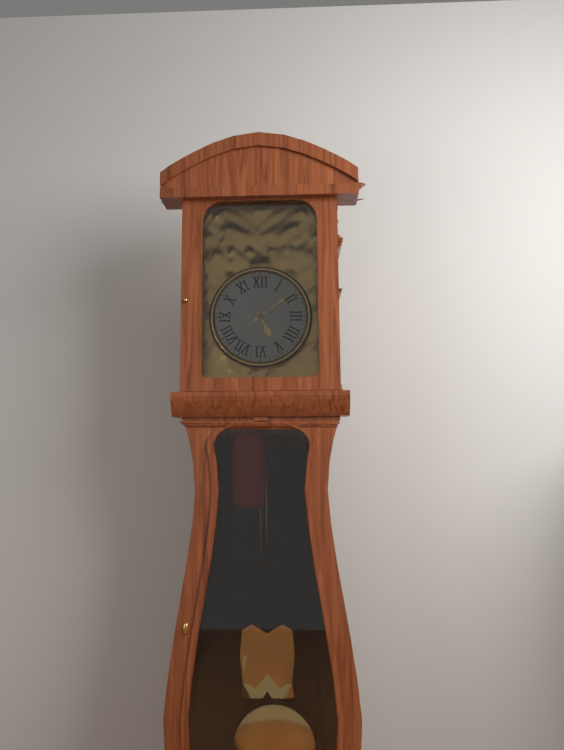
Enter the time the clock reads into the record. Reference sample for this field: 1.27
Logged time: 5.09
